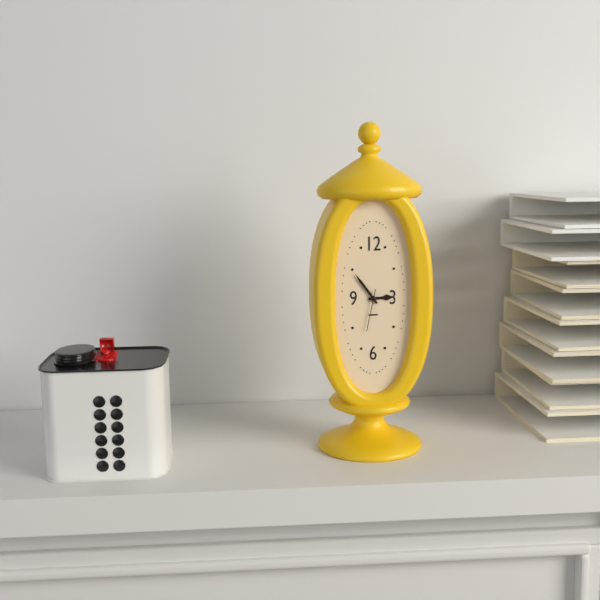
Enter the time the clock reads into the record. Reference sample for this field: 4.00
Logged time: 2.54
